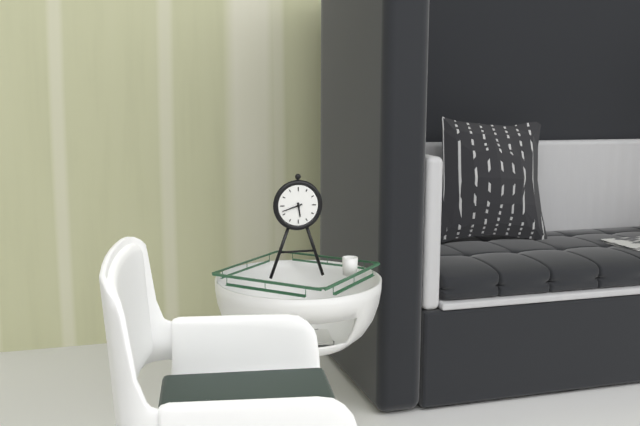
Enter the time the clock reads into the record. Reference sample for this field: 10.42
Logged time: 5.42
